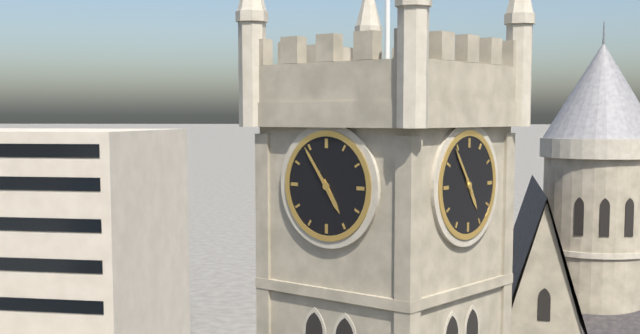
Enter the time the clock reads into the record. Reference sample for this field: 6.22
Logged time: 4.54
